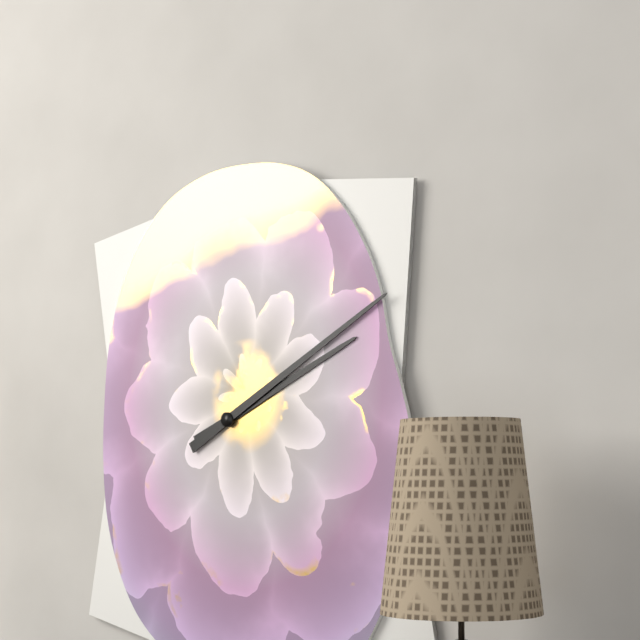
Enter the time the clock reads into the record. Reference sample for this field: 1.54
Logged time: 2.10
